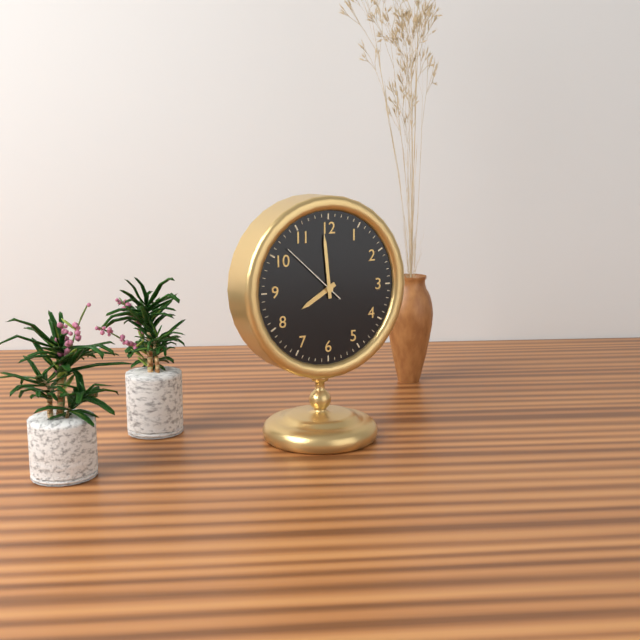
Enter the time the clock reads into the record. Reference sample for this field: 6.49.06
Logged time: 7.59.52
